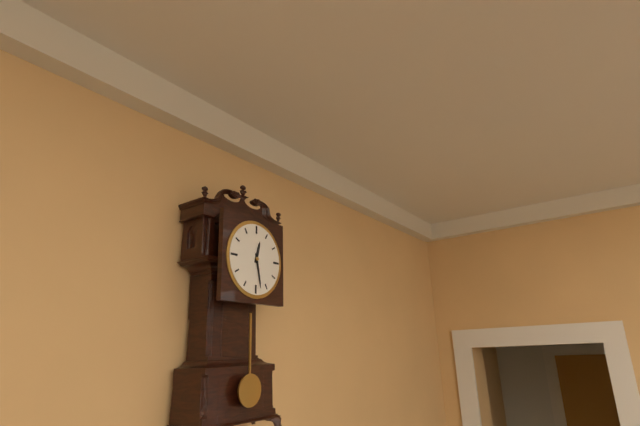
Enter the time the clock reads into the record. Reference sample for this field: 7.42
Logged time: 12.28
